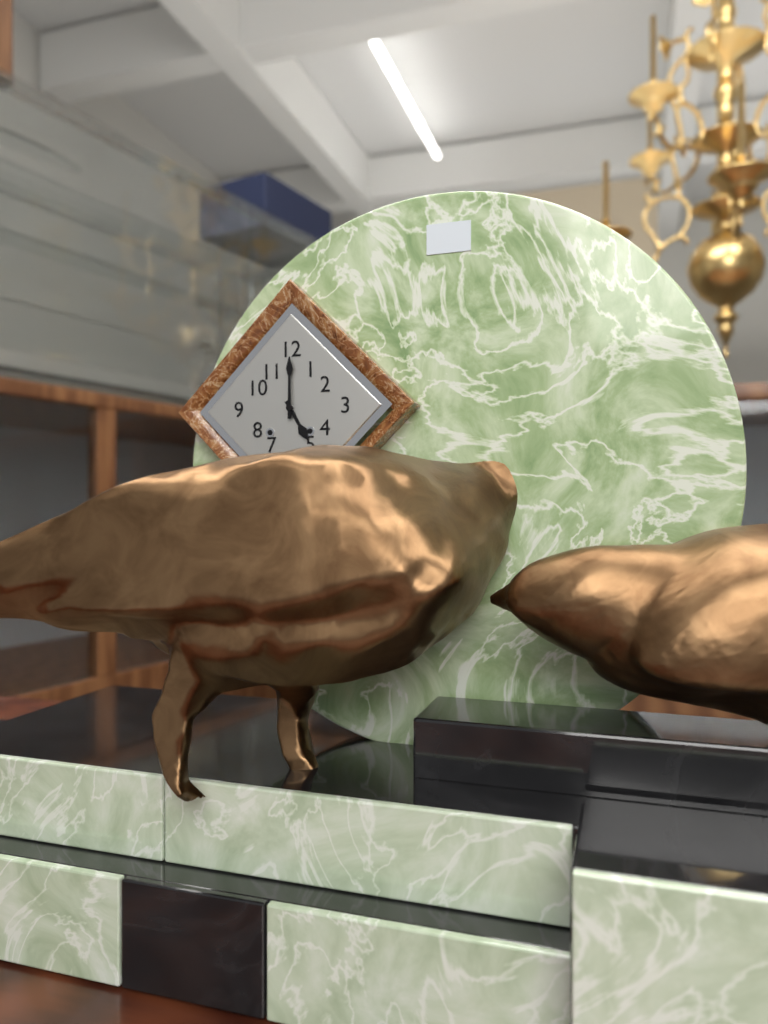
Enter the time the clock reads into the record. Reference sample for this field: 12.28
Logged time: 5.00
